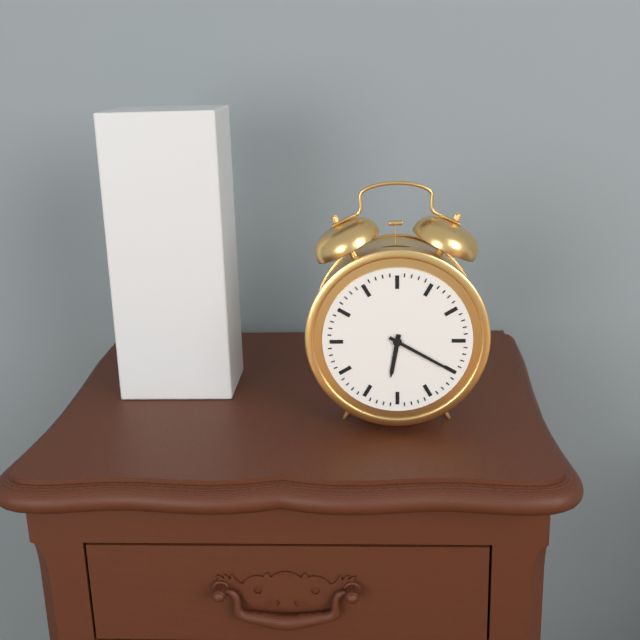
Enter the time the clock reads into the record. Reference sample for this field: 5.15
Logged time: 6.20
